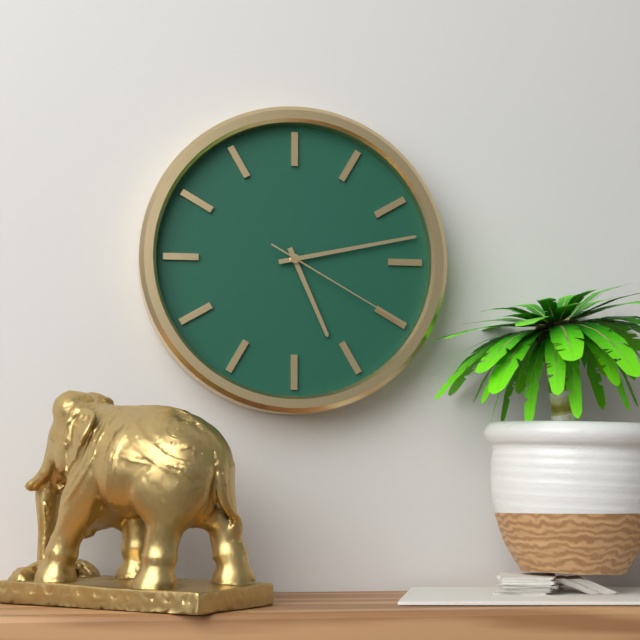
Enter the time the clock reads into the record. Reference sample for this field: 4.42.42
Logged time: 5.13.20
